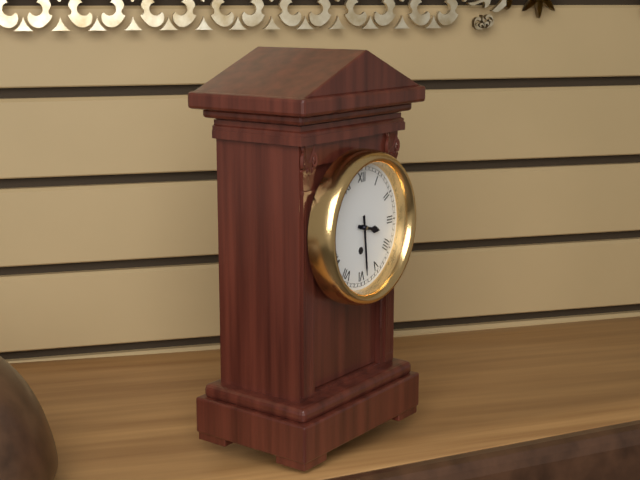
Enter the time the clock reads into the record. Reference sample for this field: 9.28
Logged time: 3.29
